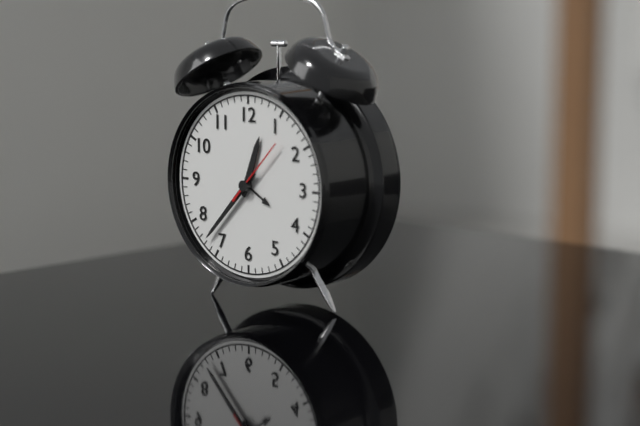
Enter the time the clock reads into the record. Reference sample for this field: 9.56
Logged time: 12.37
